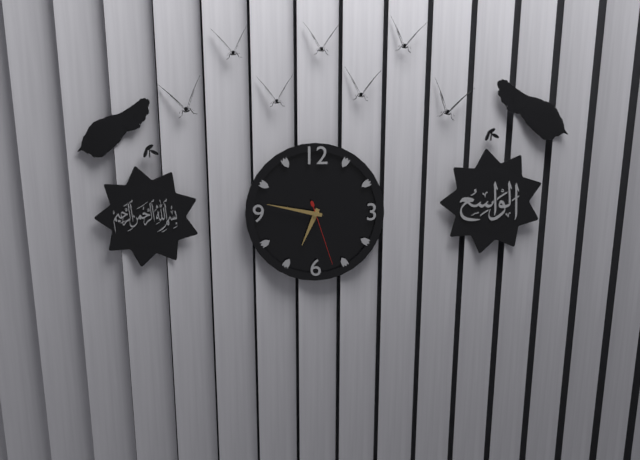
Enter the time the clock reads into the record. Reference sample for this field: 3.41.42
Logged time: 6.47.27
